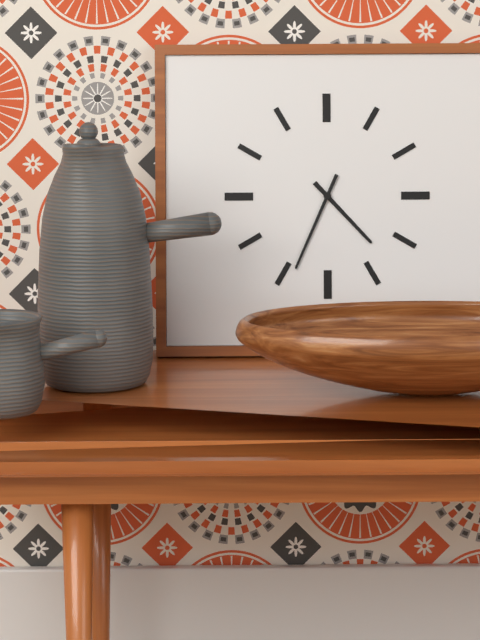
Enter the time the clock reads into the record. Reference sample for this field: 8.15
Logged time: 4.34
